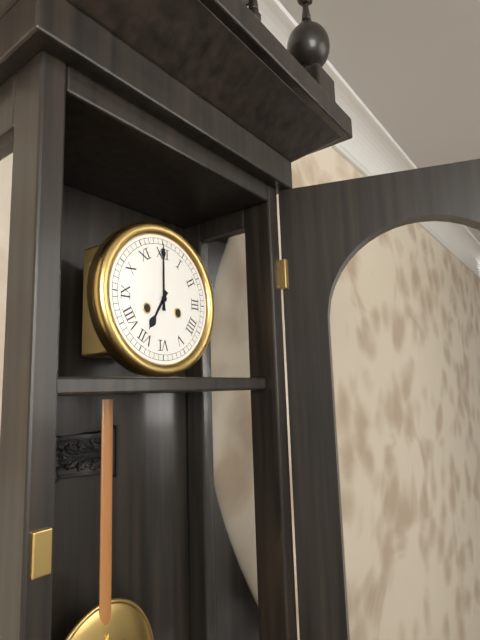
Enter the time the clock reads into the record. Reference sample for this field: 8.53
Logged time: 7.00
